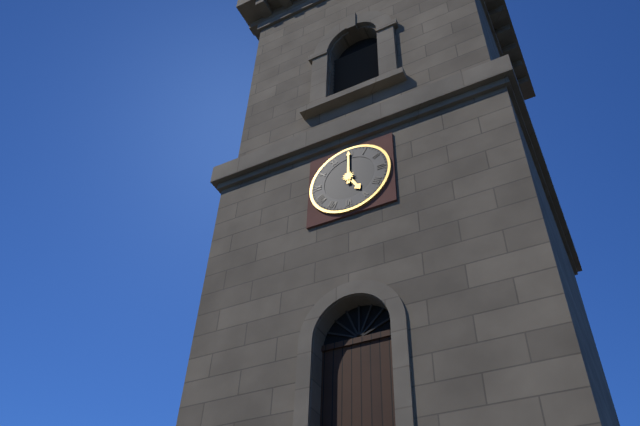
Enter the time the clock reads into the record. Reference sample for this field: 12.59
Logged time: 5.00
